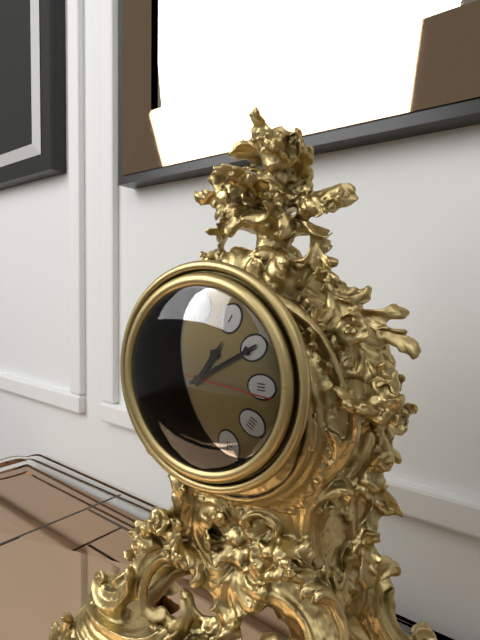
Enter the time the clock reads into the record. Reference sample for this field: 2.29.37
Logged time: 1.10.16
